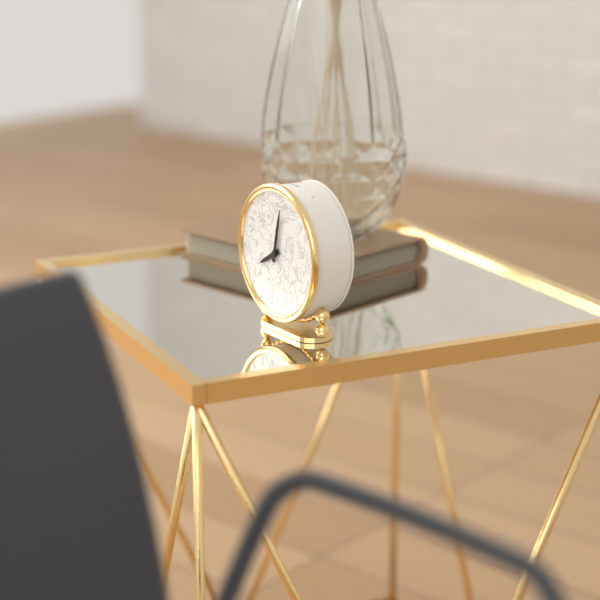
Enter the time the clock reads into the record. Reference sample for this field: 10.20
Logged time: 8.02
